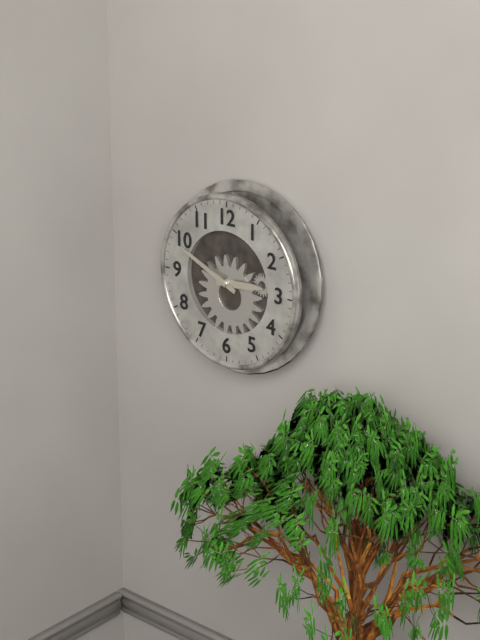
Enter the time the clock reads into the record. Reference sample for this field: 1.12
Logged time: 2.49
